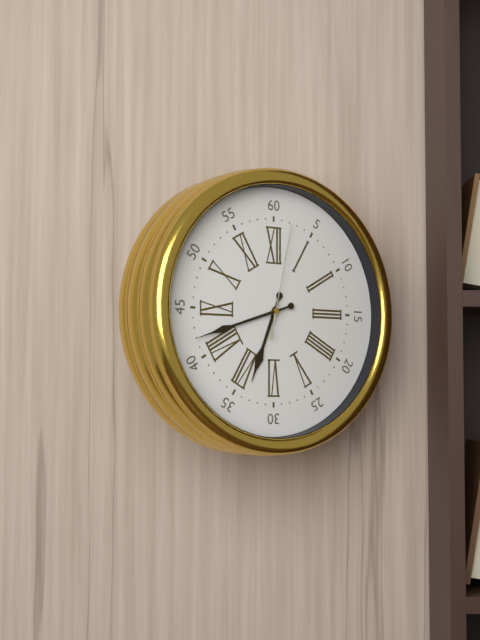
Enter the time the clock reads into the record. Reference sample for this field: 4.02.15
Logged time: 6.42.02
